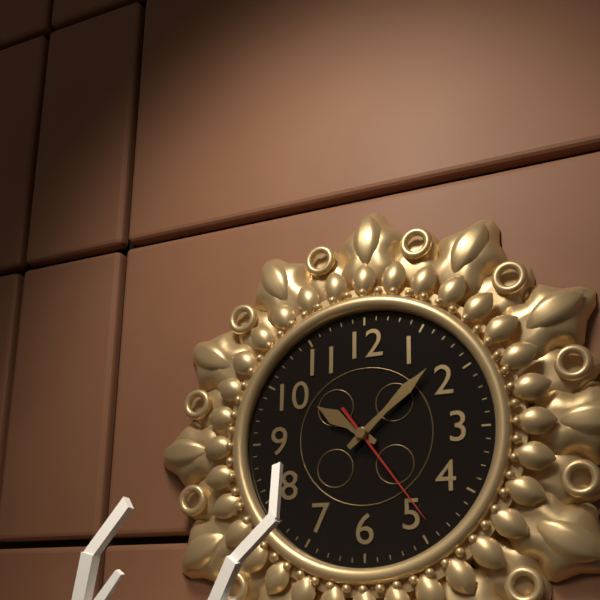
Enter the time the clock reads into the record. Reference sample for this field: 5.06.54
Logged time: 10.08.24
